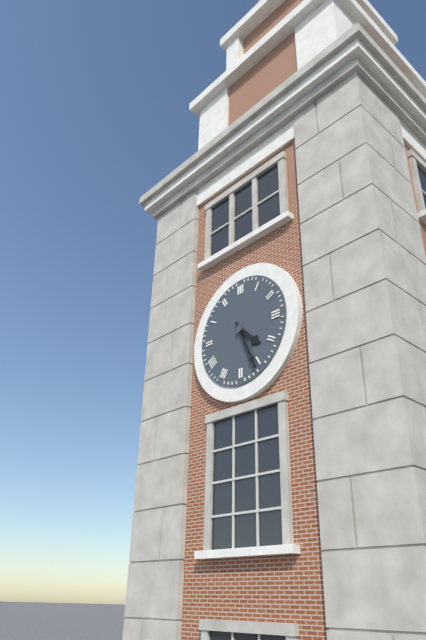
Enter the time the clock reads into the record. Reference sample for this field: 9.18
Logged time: 4.26
